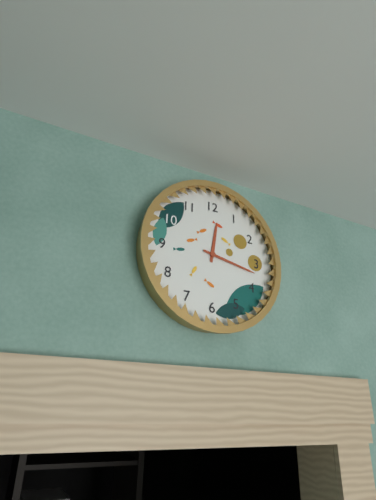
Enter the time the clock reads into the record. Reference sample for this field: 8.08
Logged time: 12.17
